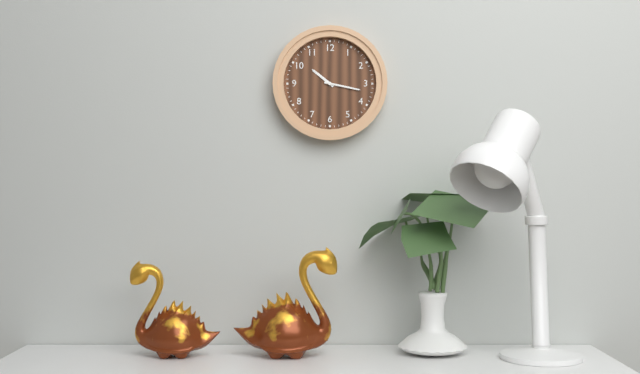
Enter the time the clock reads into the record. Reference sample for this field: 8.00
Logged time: 10.17
